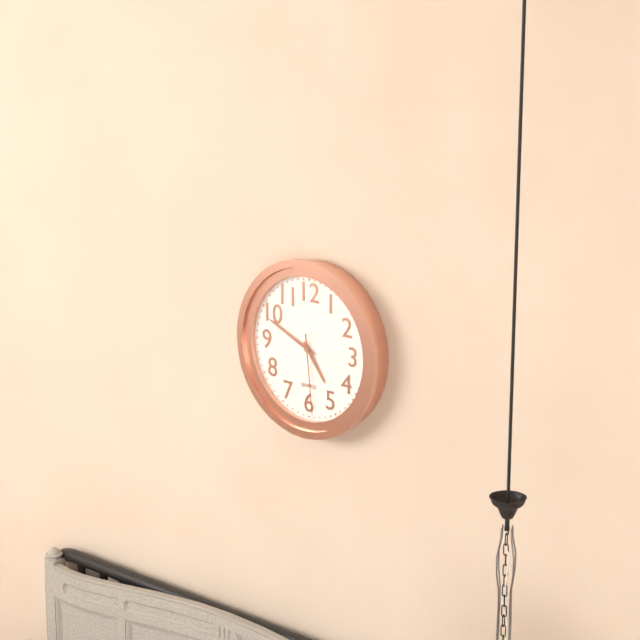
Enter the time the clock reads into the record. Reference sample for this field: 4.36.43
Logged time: 4.49.29
